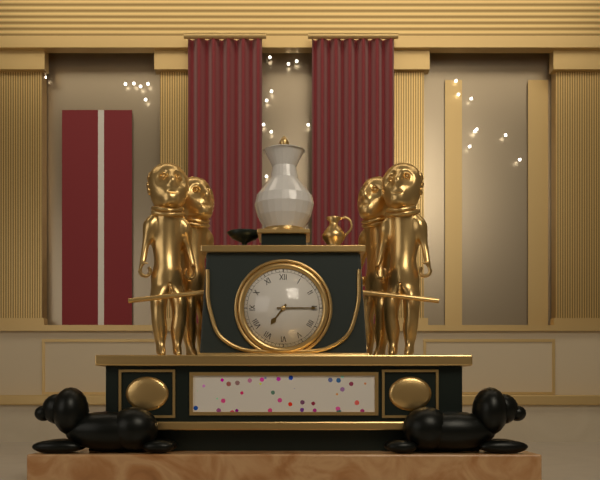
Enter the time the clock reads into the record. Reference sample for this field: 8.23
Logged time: 7.15
